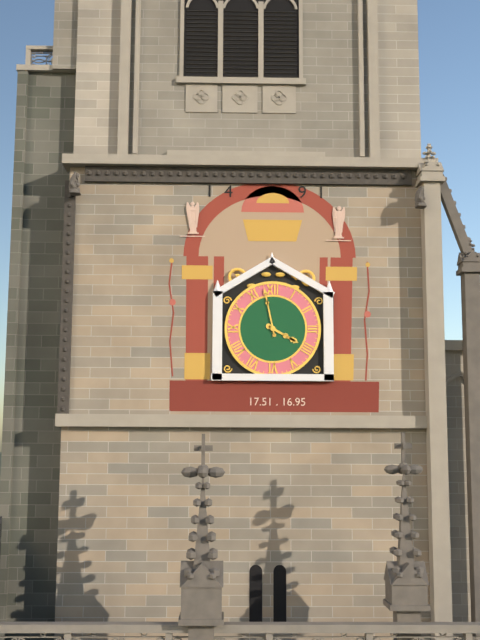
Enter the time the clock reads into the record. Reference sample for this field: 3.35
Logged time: 3.58
